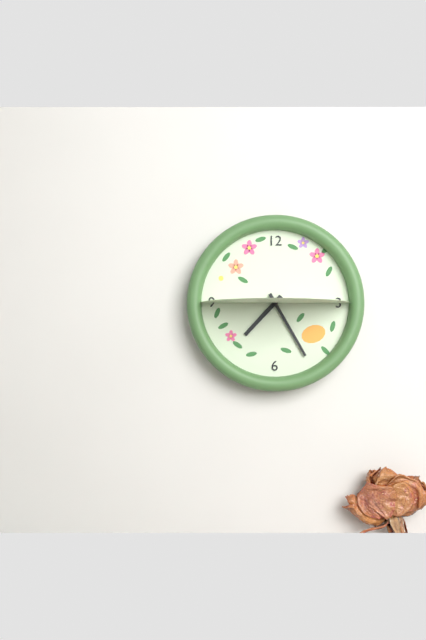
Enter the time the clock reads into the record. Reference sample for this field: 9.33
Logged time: 7.25
